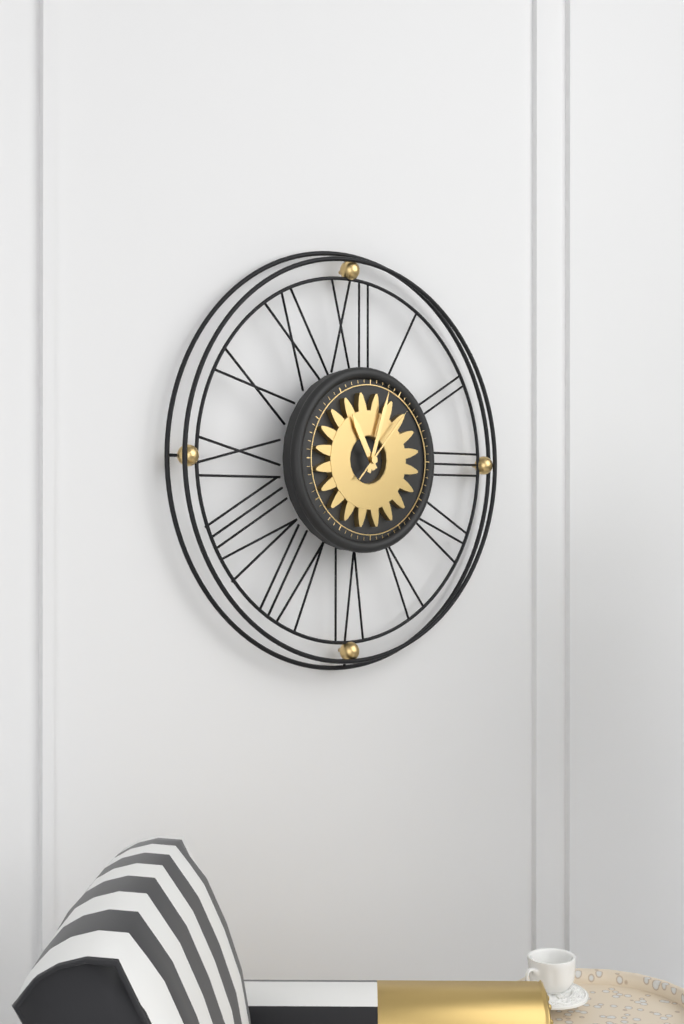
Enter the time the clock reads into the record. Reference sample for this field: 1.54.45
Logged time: 11.03.07
